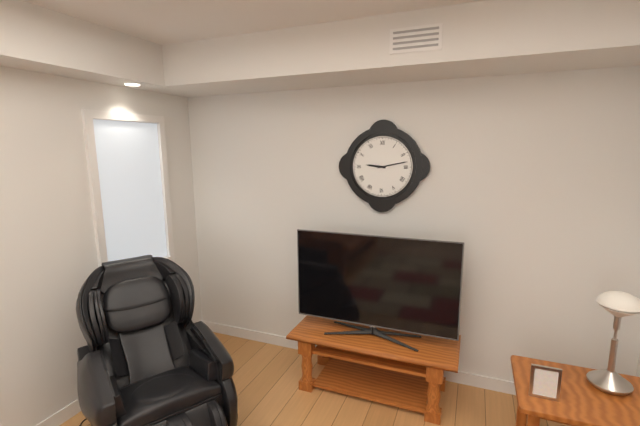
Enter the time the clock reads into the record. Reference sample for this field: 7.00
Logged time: 9.13
